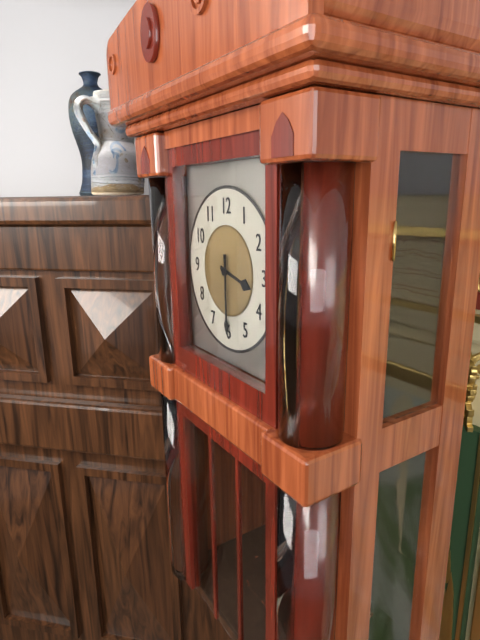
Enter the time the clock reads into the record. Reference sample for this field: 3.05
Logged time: 3.30
